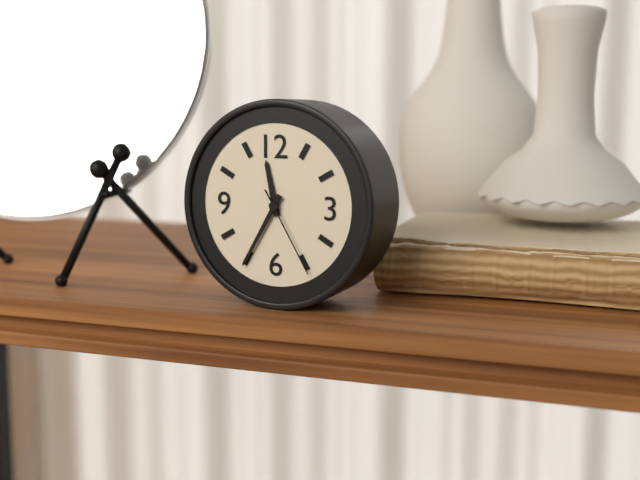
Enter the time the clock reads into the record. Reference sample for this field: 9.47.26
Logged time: 11.35.25
